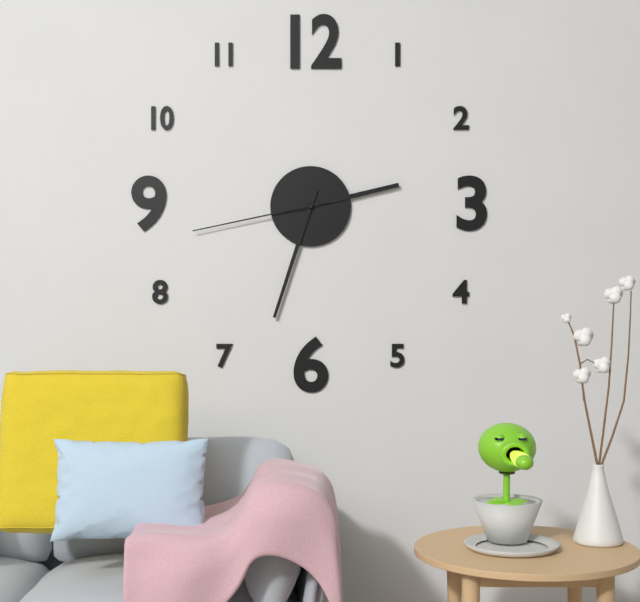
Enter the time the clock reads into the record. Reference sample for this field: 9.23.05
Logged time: 2.33.43
